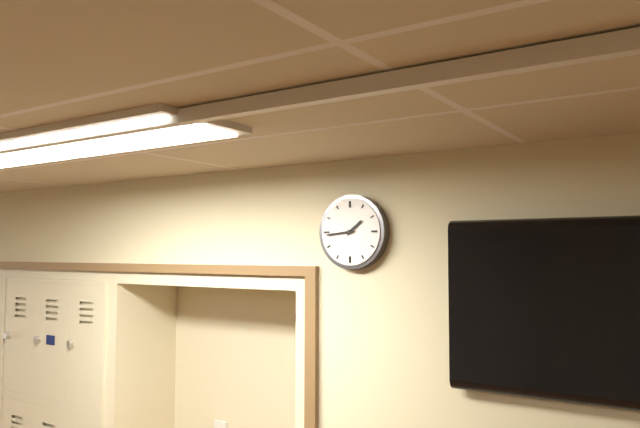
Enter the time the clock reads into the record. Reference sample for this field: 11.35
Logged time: 1.44
